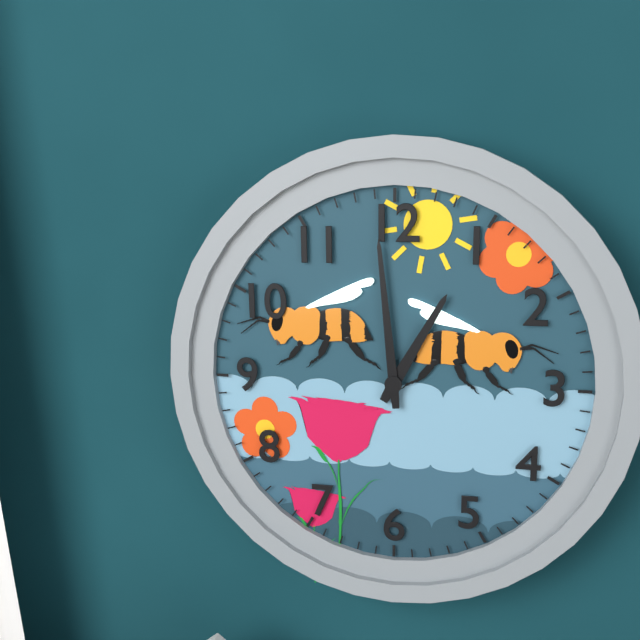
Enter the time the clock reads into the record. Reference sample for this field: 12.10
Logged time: 12.59
